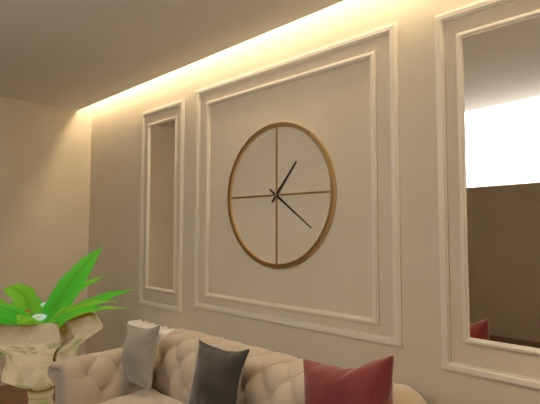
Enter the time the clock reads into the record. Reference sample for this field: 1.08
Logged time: 1.21
